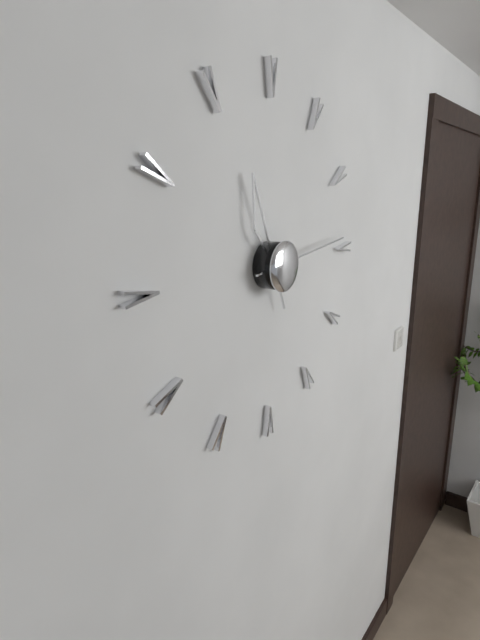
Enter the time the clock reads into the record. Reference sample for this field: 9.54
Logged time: 11.14
